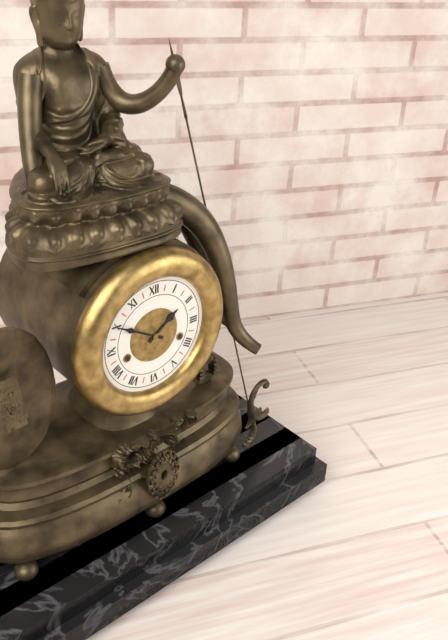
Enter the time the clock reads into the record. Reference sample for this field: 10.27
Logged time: 1.50
